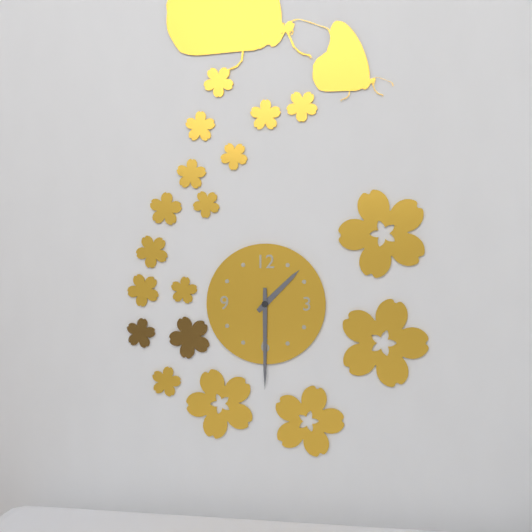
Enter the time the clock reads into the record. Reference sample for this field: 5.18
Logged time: 1.30
